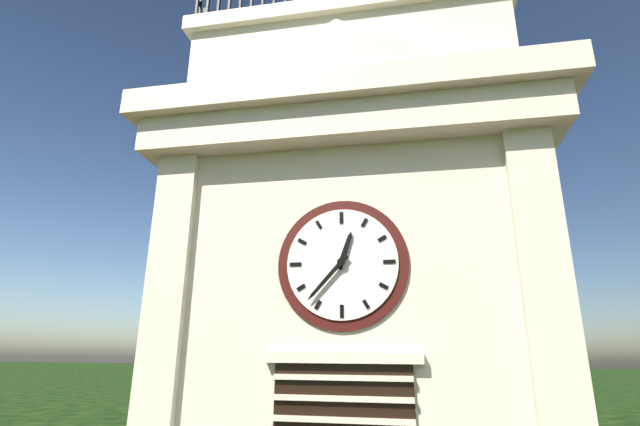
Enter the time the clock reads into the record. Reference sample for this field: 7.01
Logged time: 12.37
